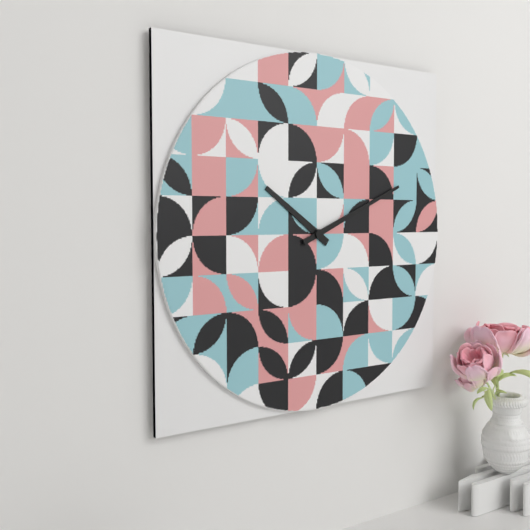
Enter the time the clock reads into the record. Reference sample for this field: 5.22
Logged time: 10.11
